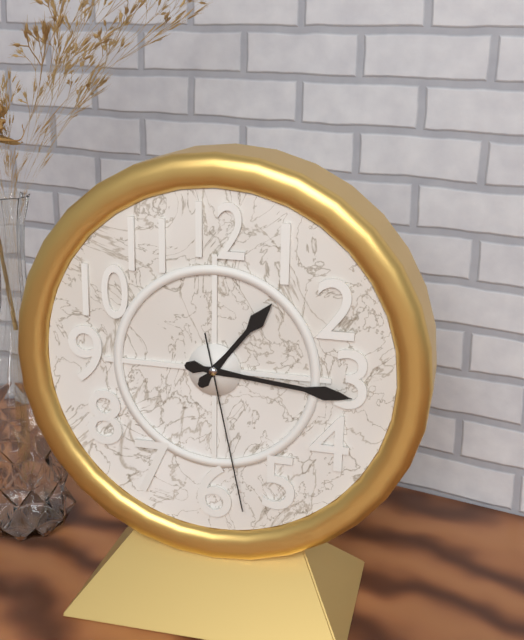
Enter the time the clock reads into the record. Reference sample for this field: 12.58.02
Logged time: 1.16.28
